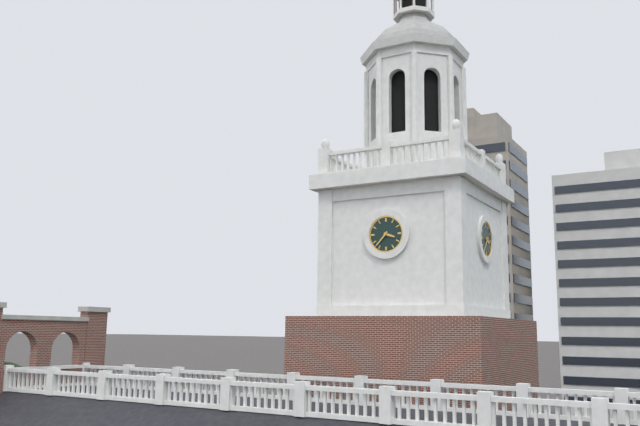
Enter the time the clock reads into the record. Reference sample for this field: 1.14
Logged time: 3.37
